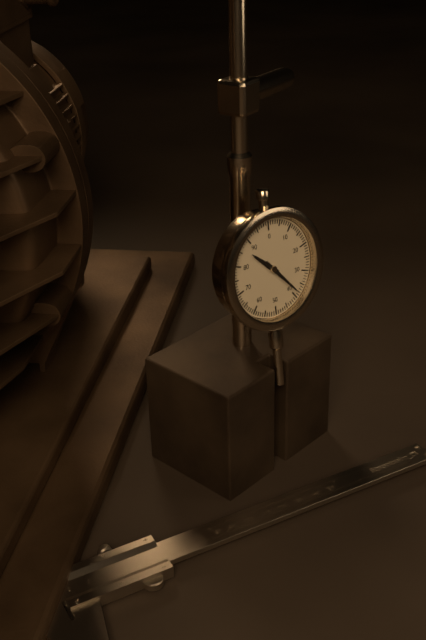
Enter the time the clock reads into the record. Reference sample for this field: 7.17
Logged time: 10.23
